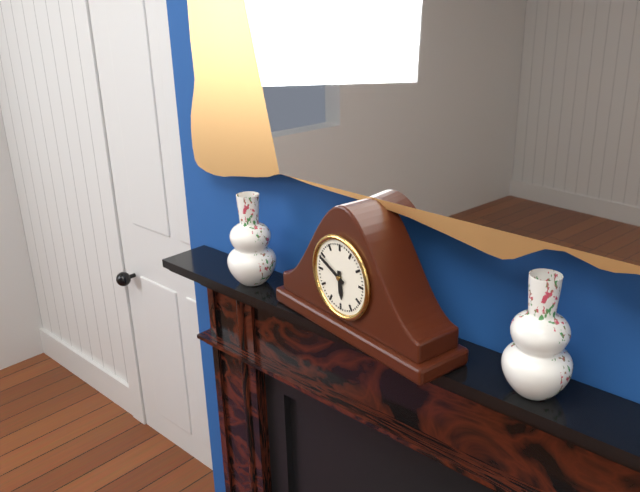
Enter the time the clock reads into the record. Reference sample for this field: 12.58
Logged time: 5.49
